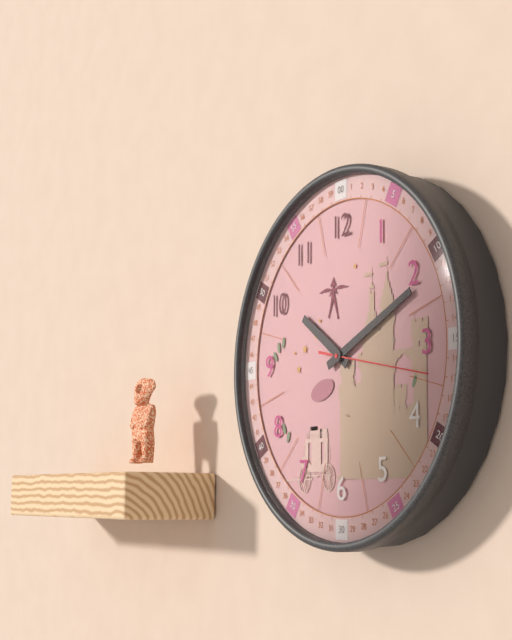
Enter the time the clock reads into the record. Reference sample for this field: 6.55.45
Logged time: 10.11.17
